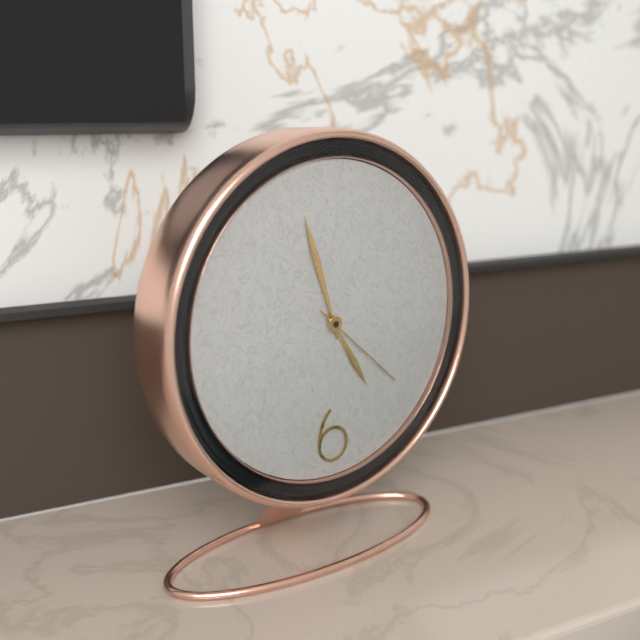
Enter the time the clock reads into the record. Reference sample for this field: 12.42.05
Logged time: 4.57.22
